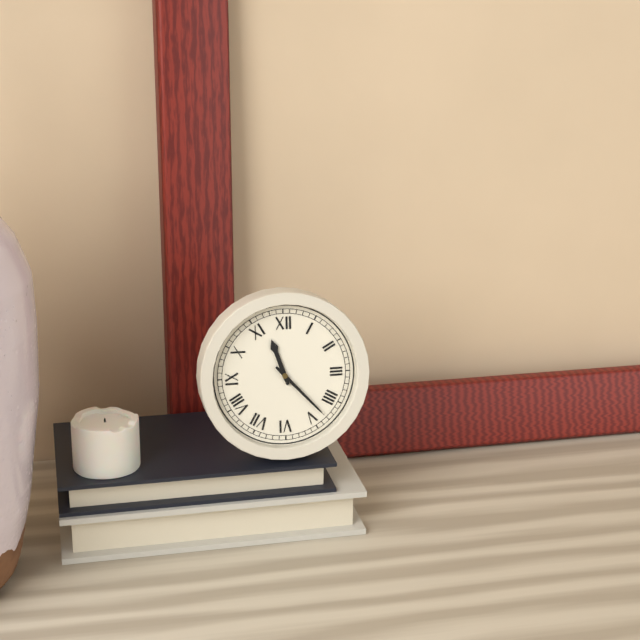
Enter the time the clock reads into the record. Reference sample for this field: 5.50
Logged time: 11.23
